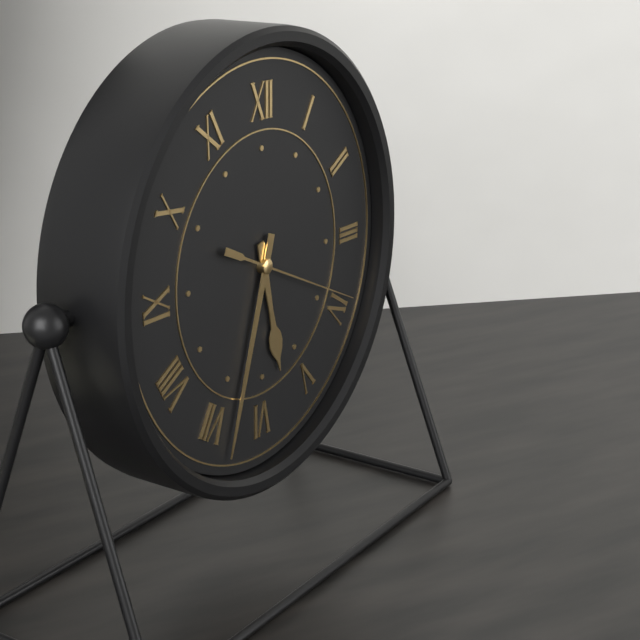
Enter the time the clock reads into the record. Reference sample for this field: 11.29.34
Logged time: 5.33.19
